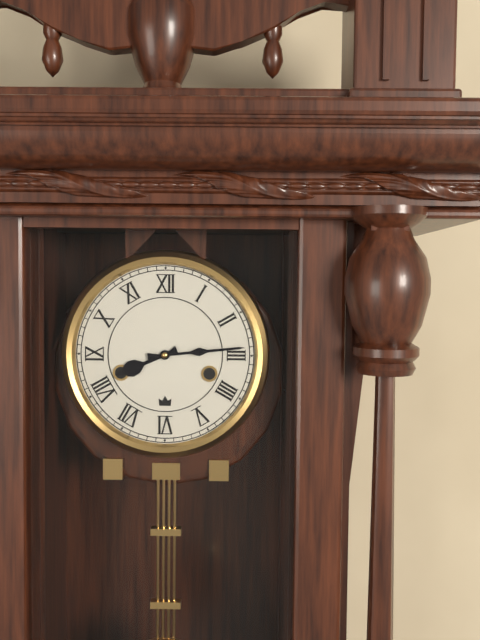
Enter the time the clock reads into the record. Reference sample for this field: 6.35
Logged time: 8.14
